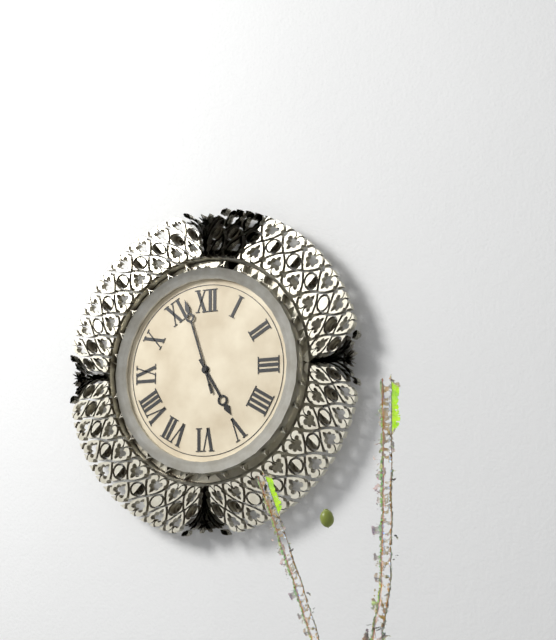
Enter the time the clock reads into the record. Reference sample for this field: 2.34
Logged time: 4.57
